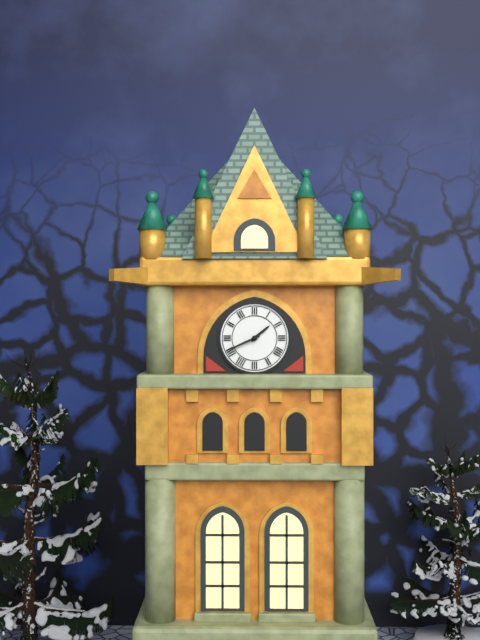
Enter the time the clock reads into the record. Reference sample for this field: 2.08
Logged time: 1.41
